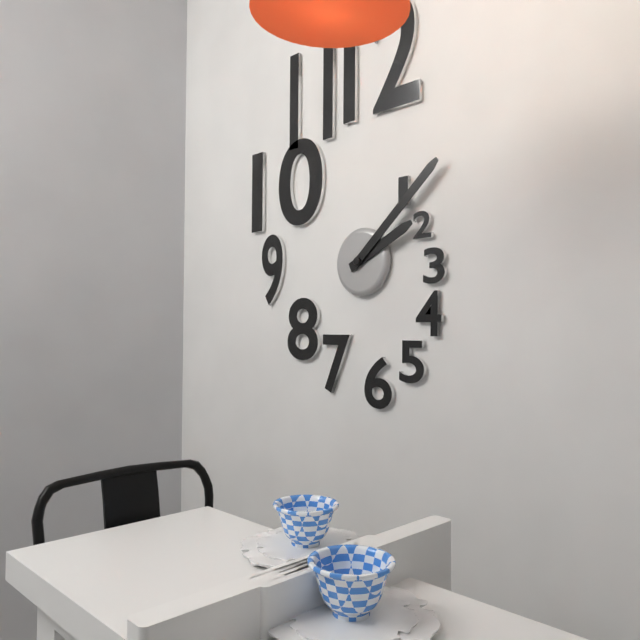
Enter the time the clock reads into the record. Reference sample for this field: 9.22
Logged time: 2.08
